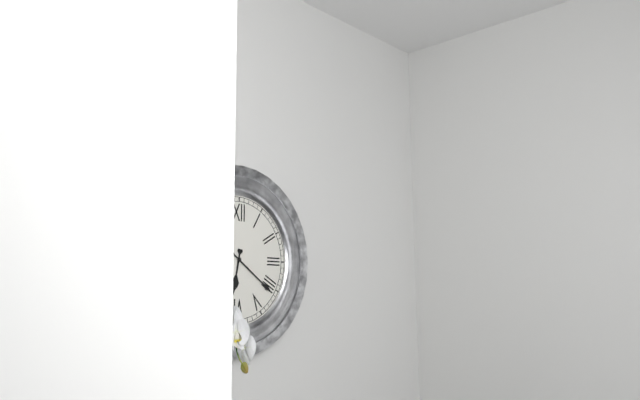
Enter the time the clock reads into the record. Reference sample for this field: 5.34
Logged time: 6.21
